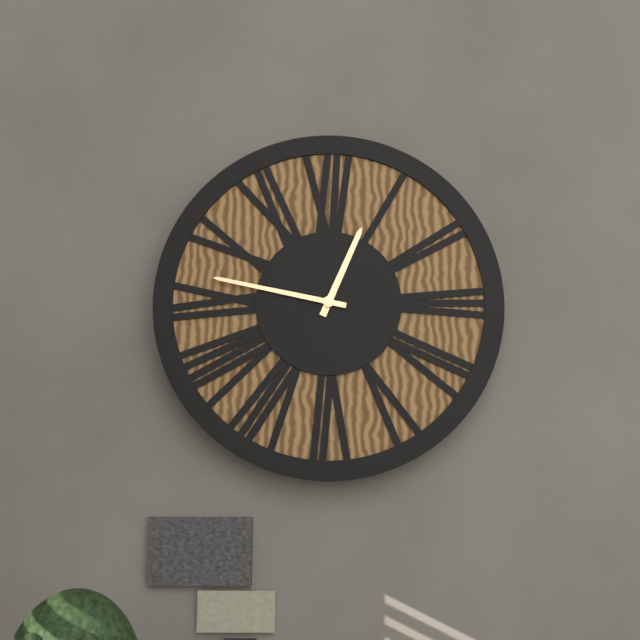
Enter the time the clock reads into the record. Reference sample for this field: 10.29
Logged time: 12.47
